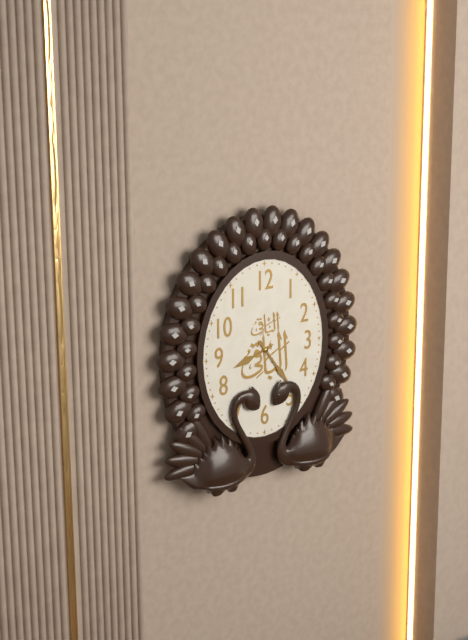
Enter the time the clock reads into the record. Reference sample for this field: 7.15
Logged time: 8.24
